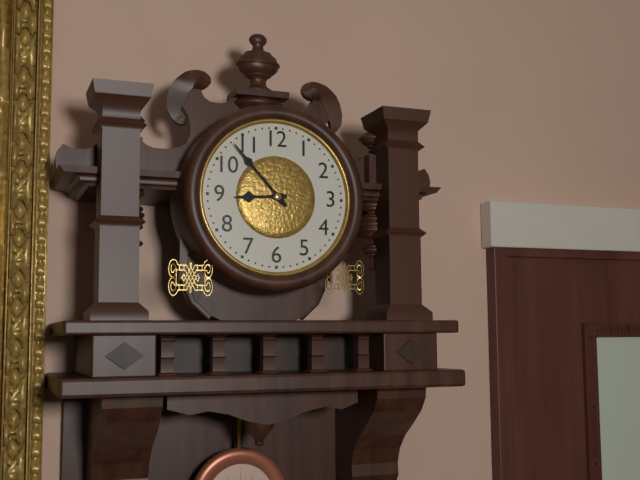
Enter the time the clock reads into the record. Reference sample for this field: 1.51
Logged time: 8.53
